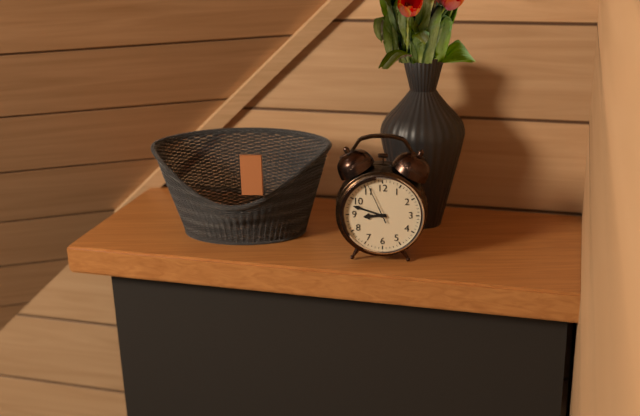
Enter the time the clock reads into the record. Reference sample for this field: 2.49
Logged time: 8.48
